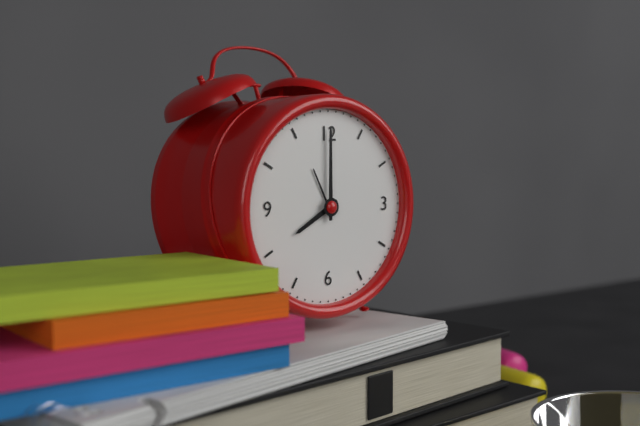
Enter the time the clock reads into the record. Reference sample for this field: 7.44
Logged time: 8.00
